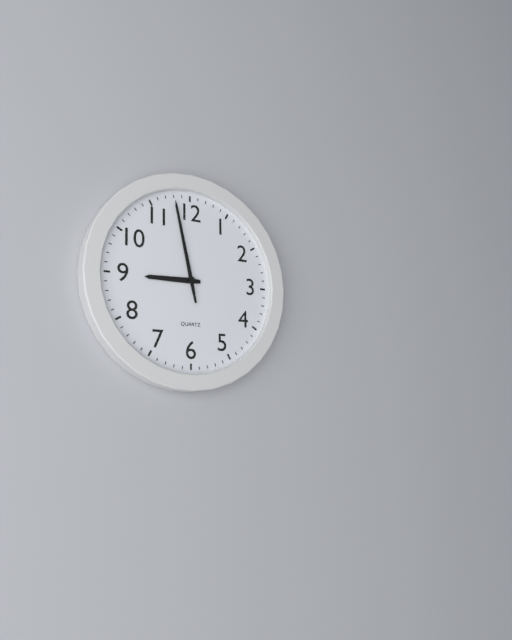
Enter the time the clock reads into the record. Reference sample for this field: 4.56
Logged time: 8.58
